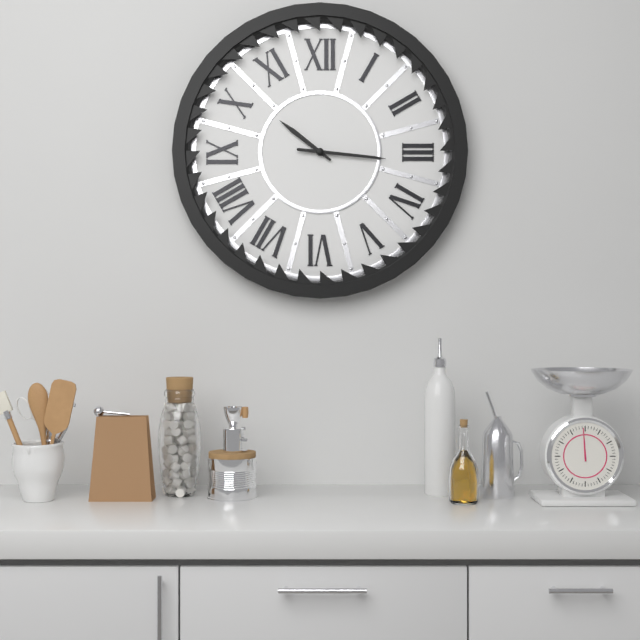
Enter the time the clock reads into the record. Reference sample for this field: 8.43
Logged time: 10.16
